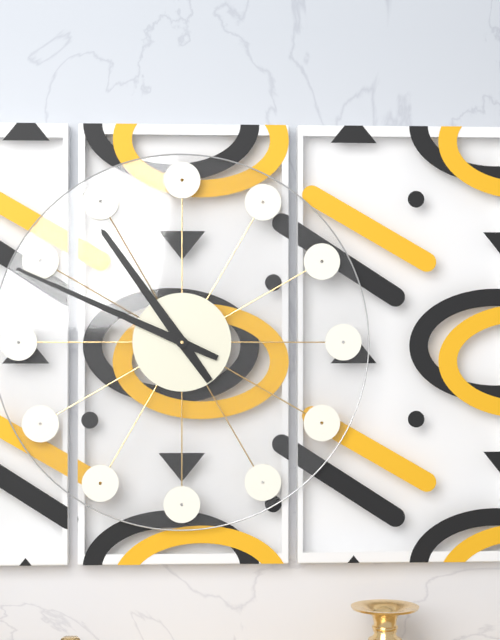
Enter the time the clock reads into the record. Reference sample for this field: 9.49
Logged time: 10.49
